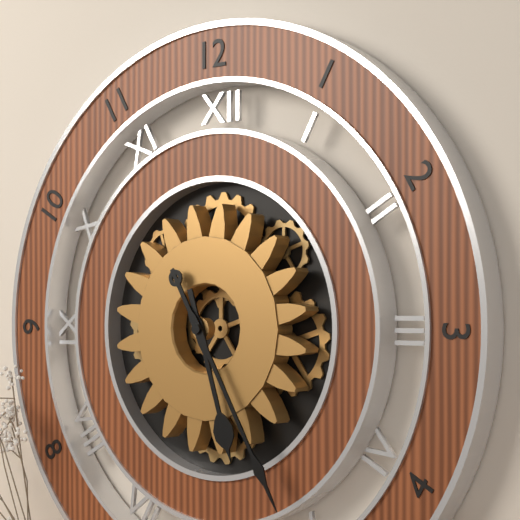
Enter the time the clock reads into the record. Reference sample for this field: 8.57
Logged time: 5.25
